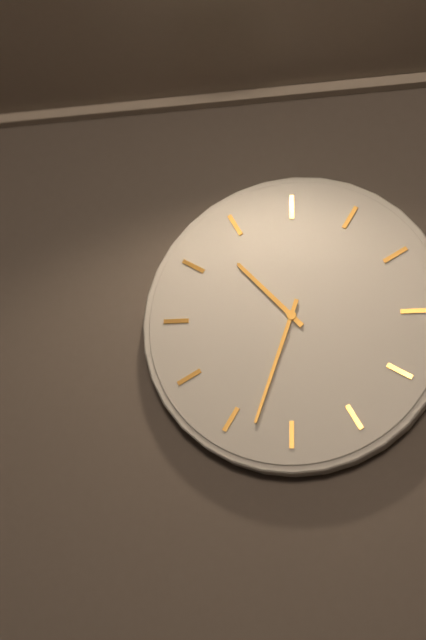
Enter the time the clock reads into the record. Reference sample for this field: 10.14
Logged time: 10.33
